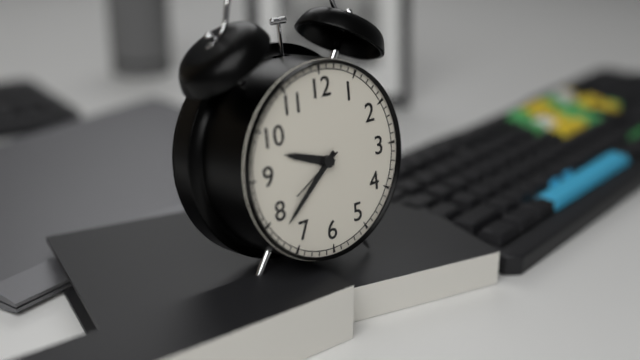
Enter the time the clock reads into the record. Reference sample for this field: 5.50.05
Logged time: 9.38.40
